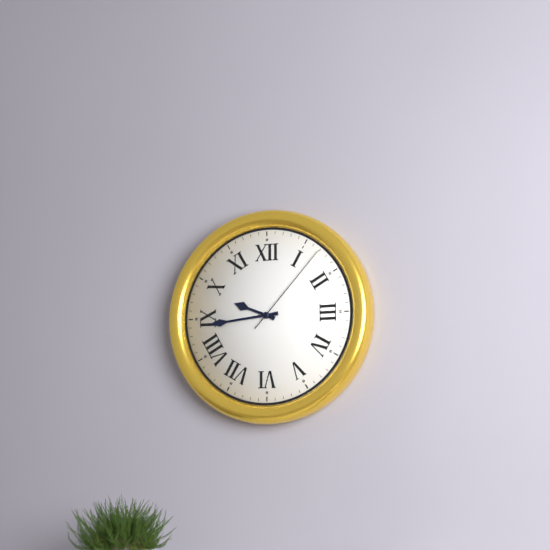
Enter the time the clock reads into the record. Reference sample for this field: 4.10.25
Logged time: 9.44.07
